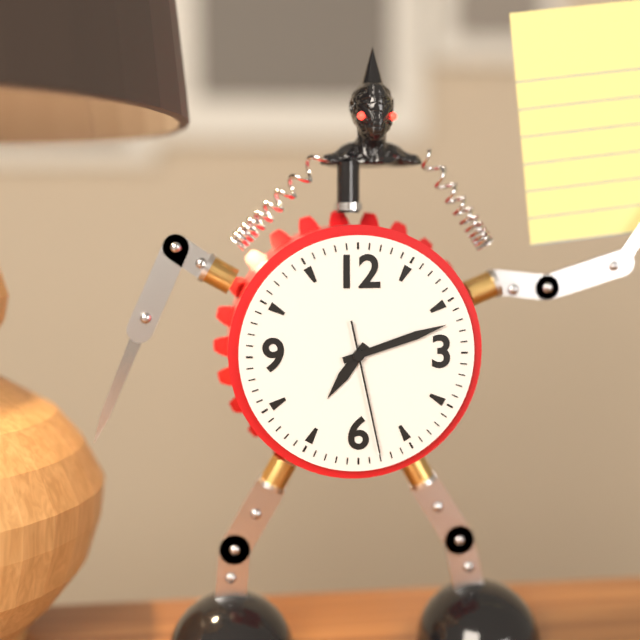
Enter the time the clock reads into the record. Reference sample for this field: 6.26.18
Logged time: 7.12.28
